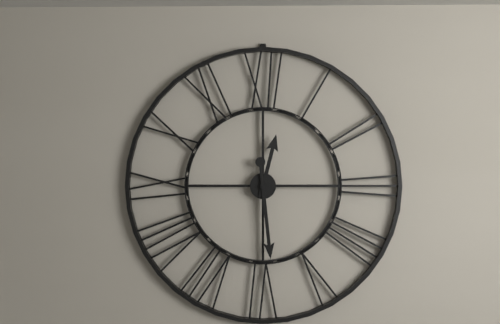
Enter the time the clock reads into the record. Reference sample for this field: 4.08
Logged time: 12.29
